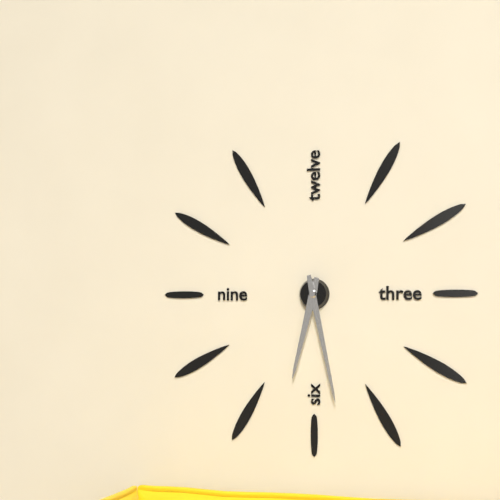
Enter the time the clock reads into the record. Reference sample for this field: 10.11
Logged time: 6.28
